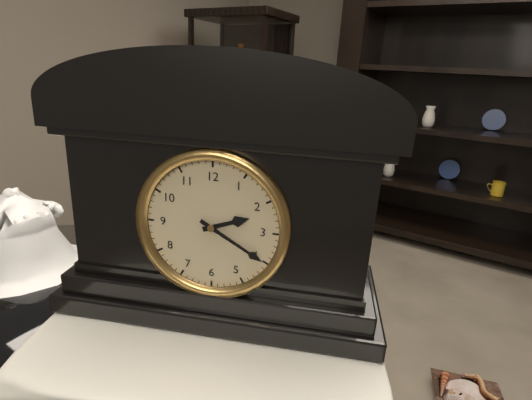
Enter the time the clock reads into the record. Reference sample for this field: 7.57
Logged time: 2.20
